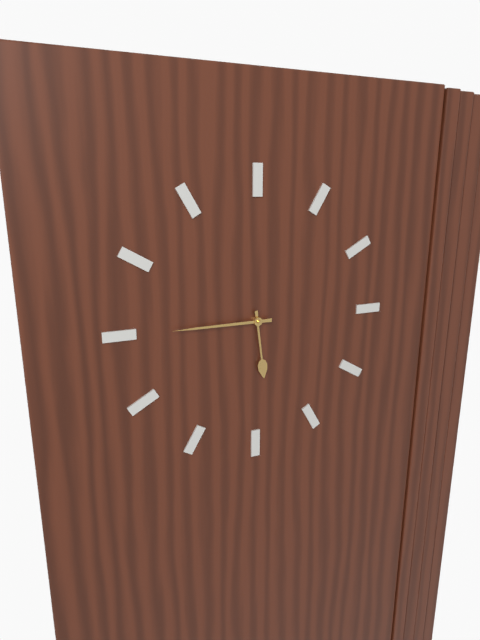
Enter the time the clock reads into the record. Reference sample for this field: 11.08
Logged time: 5.45
